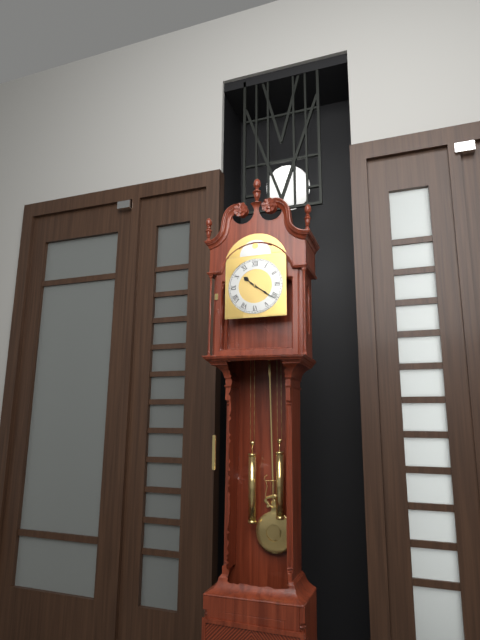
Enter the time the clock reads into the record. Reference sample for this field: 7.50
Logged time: 10.21
